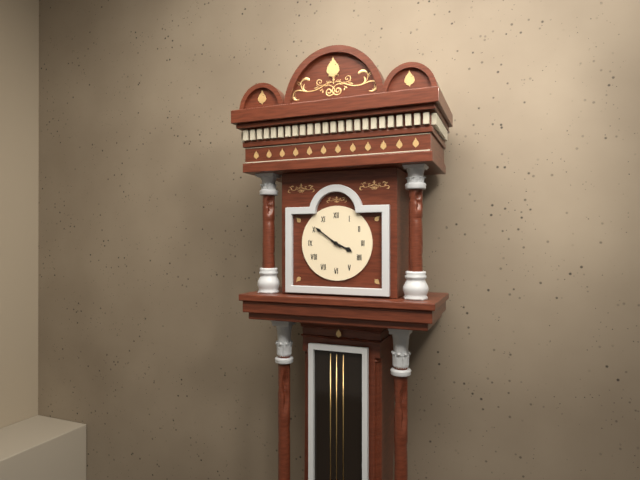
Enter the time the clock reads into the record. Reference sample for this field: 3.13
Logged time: 3.51
